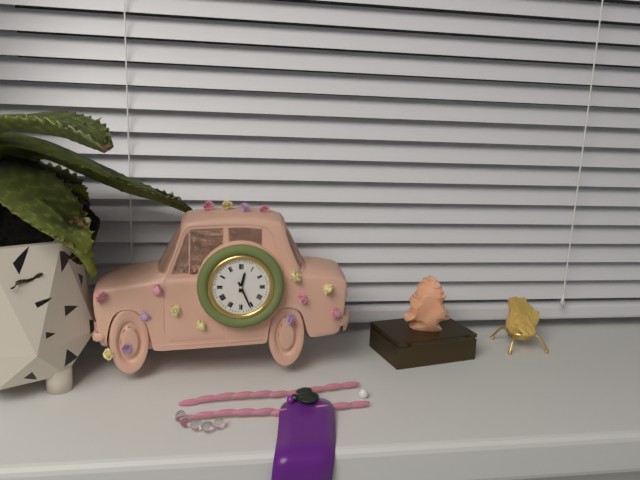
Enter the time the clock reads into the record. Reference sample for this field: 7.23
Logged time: 12.26
